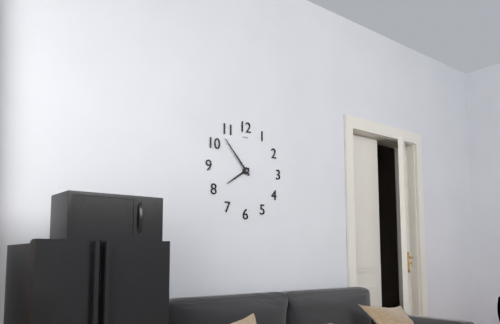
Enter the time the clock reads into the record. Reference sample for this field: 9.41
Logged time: 7.53
